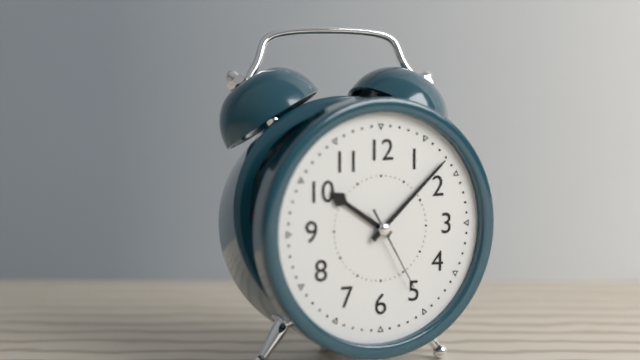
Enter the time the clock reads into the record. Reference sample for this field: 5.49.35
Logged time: 10.08.25
